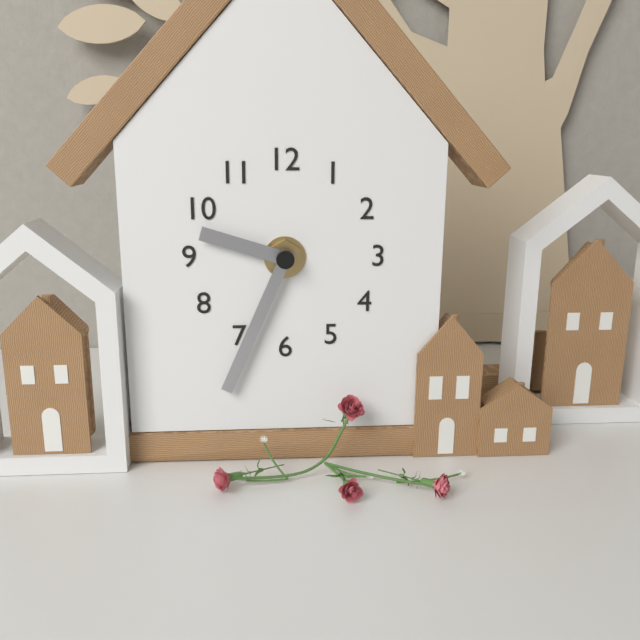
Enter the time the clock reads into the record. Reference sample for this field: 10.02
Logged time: 9.34
